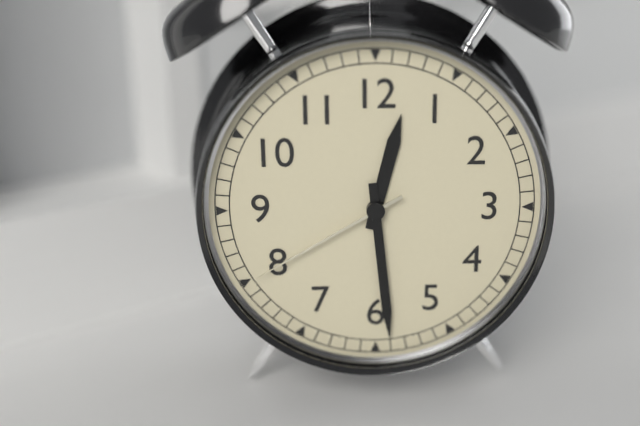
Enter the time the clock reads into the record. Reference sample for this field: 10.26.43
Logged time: 12.29.40
